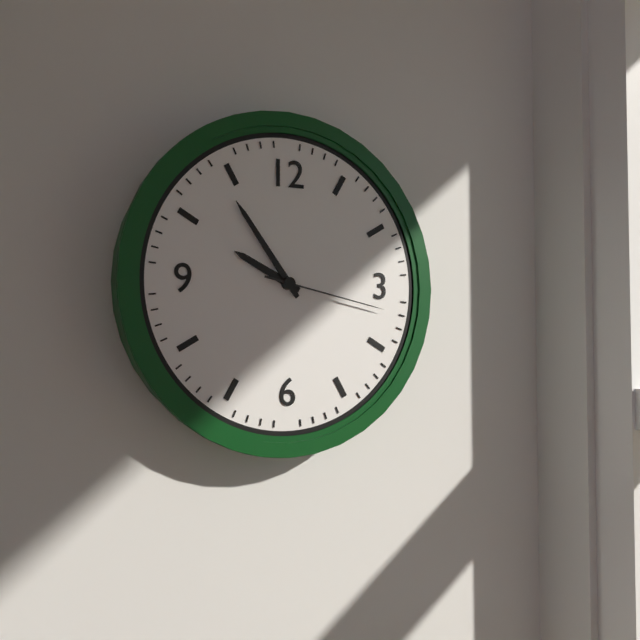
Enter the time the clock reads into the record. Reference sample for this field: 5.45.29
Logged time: 9.54.17
